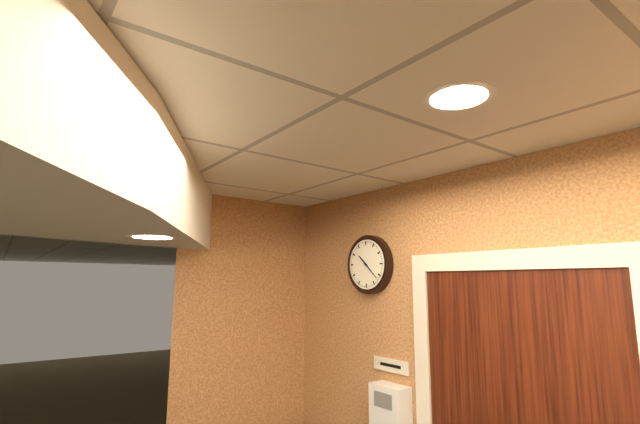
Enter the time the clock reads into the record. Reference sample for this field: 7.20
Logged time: 10.22
